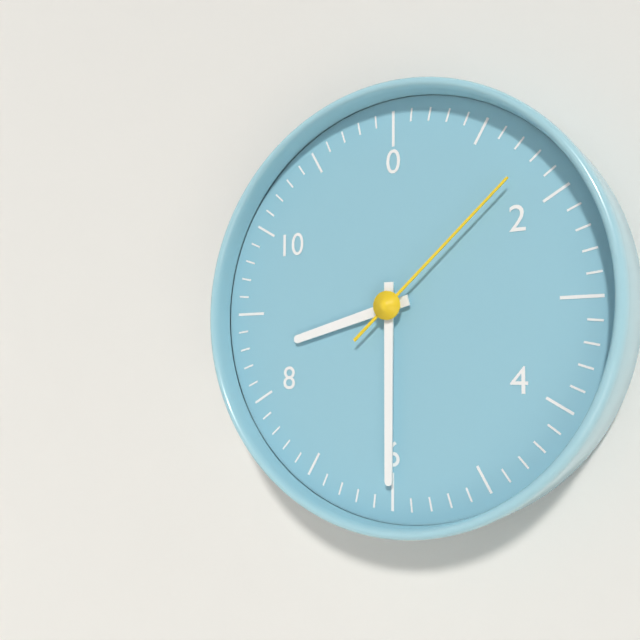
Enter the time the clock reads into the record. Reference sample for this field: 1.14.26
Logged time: 8.30.08
